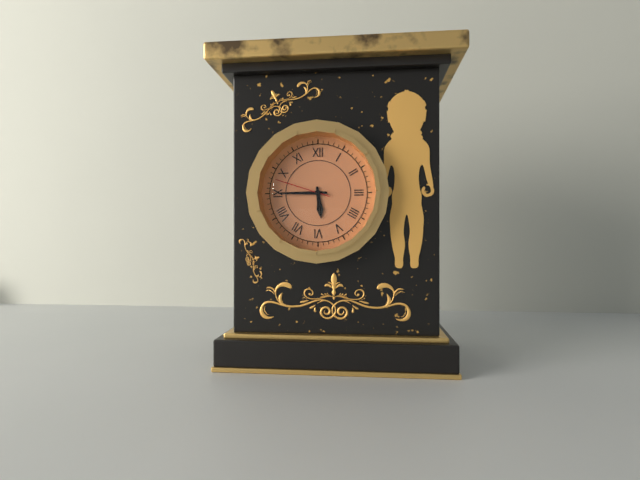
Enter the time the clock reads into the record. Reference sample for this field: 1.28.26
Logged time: 5.45.48
